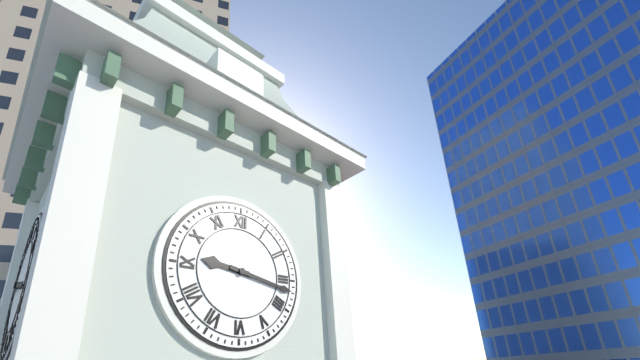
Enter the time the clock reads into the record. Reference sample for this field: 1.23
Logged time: 9.17
